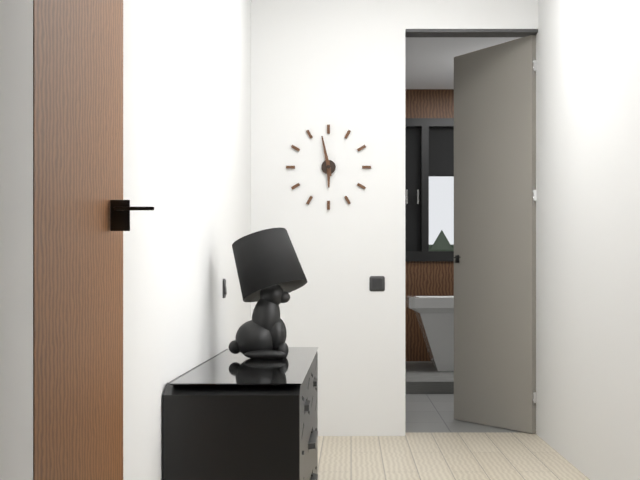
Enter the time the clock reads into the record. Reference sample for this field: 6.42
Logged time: 5.58
